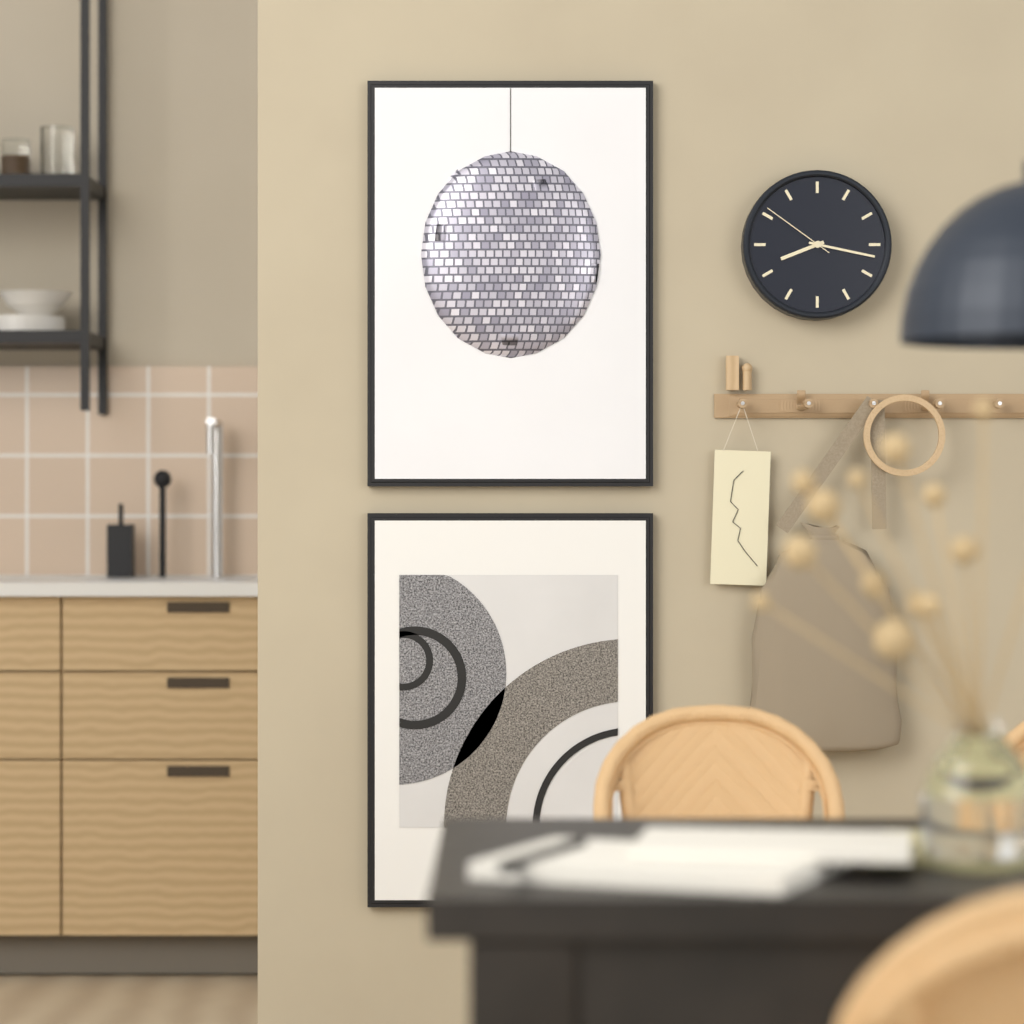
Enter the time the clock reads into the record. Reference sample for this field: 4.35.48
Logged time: 8.17.51
